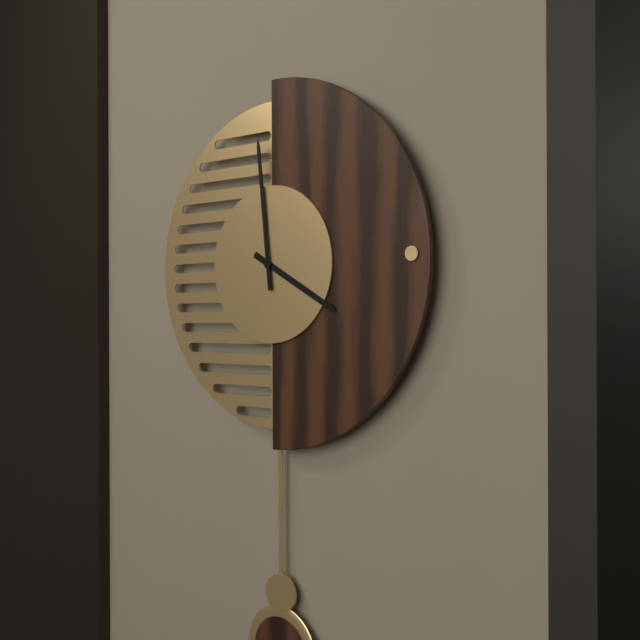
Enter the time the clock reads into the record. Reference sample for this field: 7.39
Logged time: 3.59
